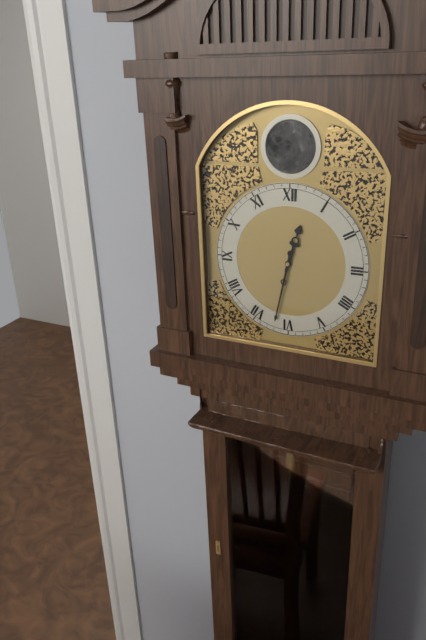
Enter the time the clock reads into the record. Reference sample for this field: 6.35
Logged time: 12.32
